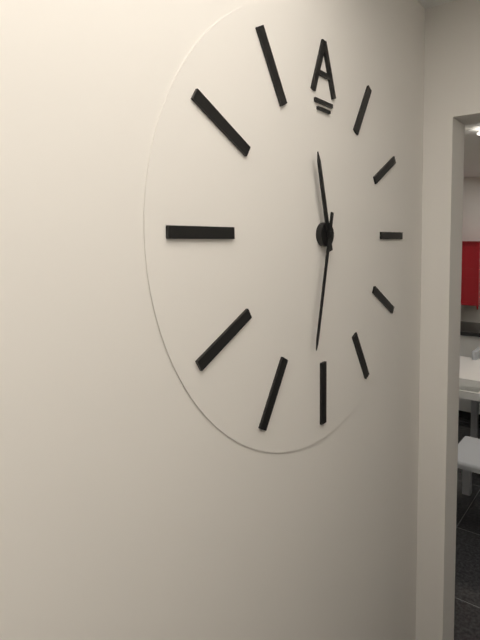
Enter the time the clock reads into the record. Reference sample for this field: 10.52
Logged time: 11.32
